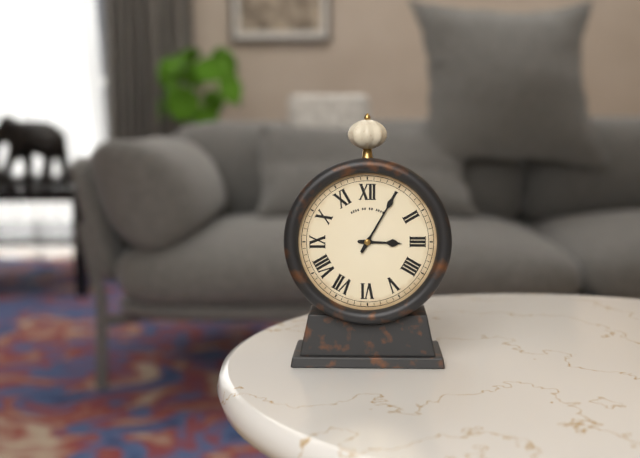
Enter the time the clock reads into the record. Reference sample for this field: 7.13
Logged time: 3.05
